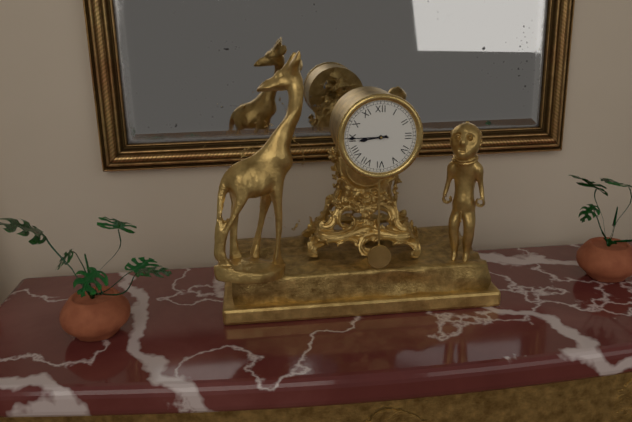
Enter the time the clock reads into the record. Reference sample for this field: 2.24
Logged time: 8.45
